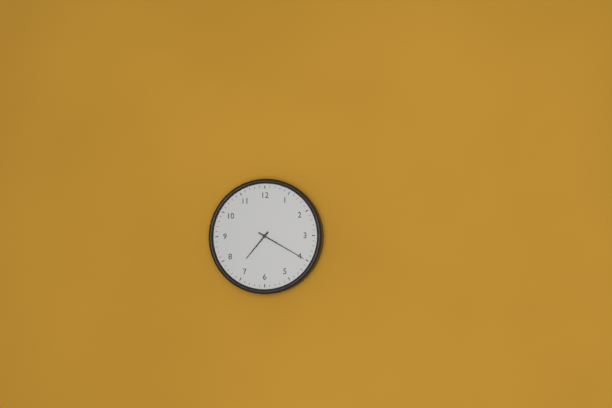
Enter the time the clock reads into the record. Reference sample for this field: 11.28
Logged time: 7.20
